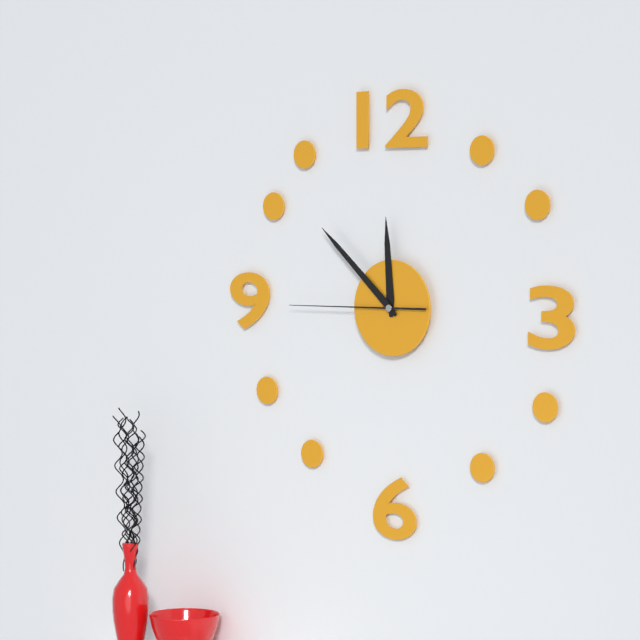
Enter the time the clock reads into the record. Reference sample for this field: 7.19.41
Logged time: 11.52.45
